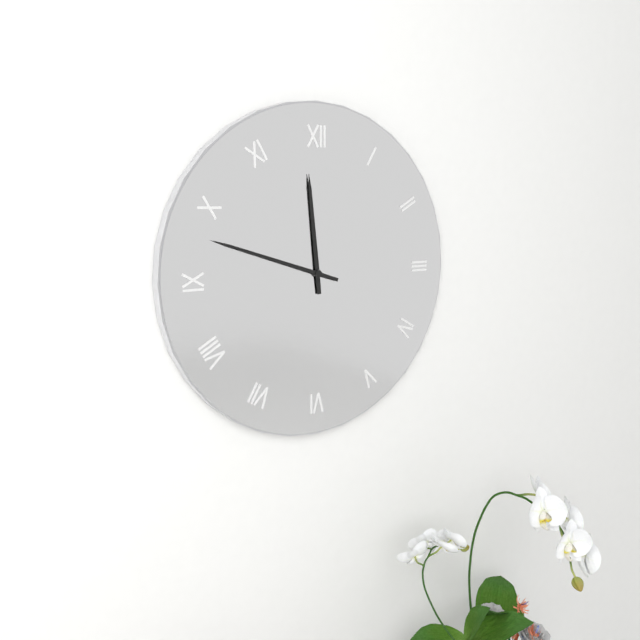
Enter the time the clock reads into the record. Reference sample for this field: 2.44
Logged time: 11.48
